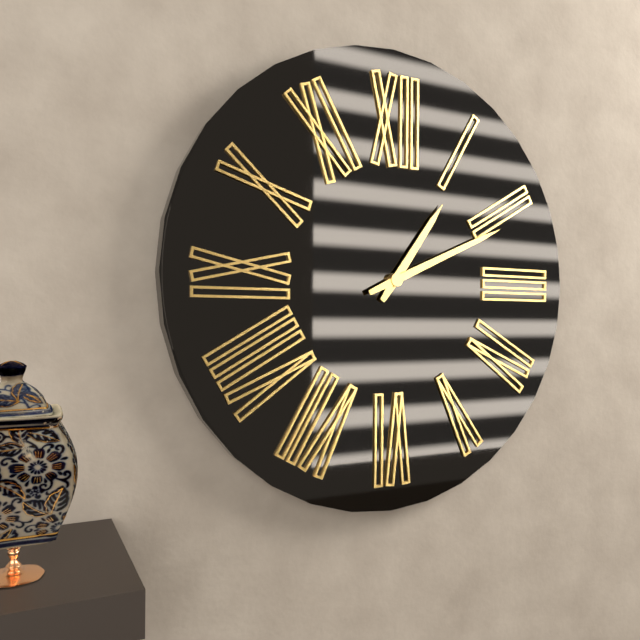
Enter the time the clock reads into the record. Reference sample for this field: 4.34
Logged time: 1.11
